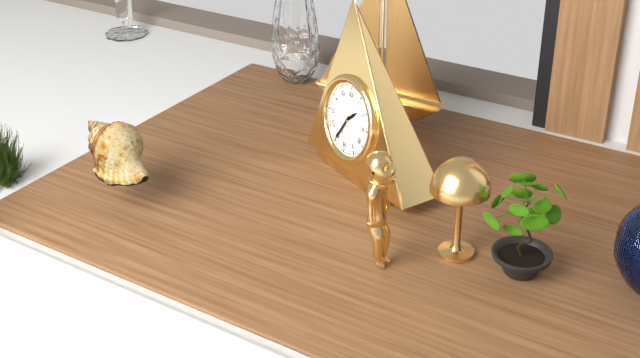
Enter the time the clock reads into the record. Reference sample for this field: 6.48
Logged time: 1.35
